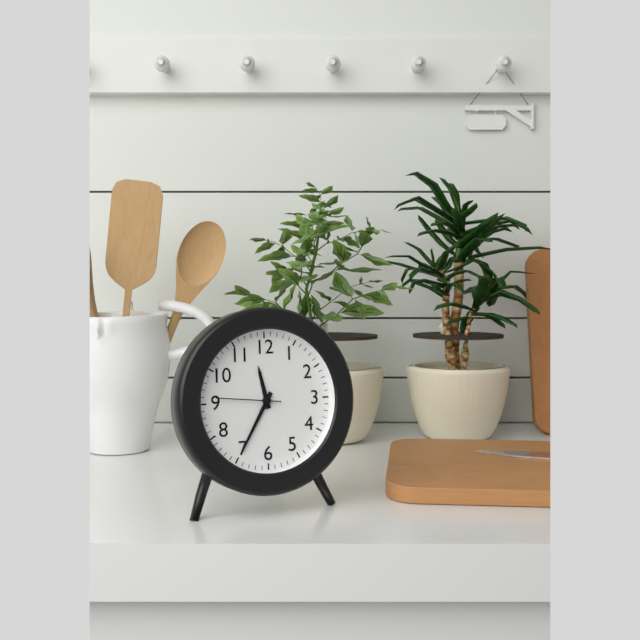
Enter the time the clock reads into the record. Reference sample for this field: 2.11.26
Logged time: 11.35.46
